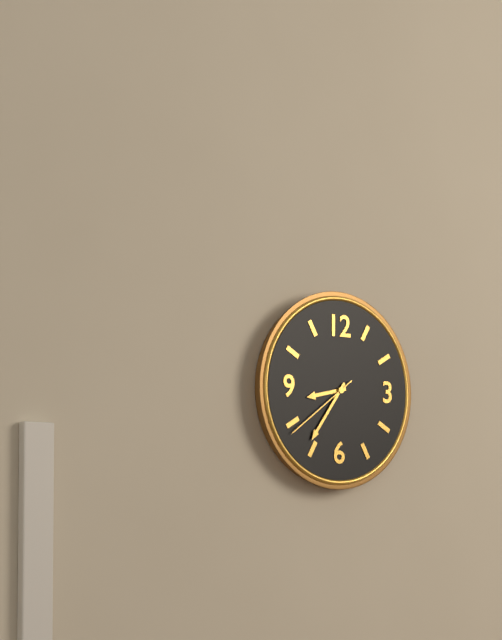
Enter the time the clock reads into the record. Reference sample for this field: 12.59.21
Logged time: 8.36.39
